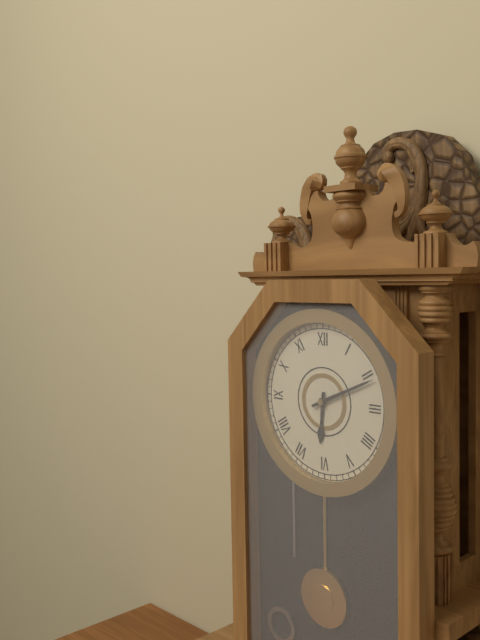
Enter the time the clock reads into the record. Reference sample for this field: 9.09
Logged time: 6.11
